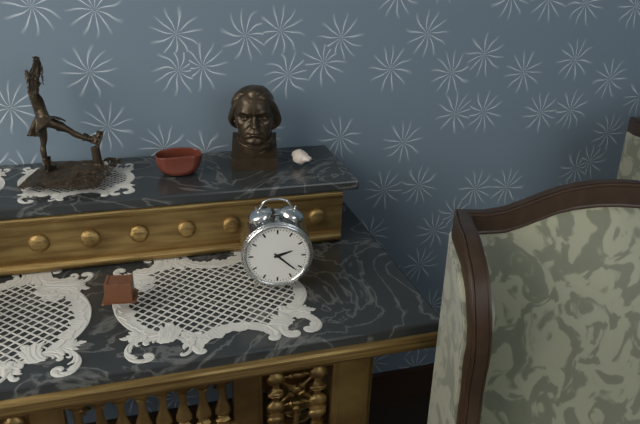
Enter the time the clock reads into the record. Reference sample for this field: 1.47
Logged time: 2.22
